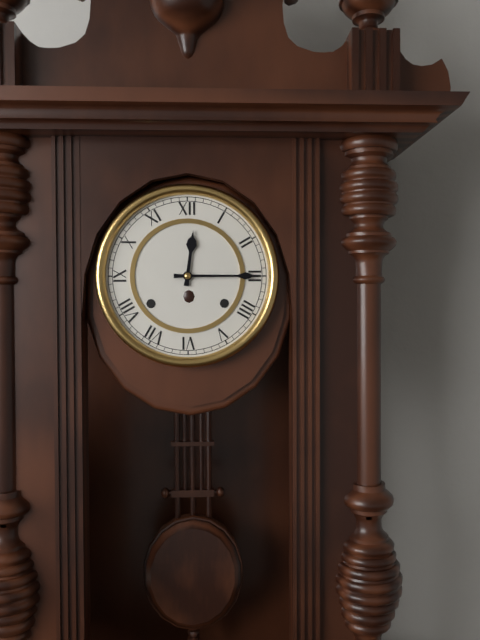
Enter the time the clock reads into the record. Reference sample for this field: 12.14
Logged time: 12.15
